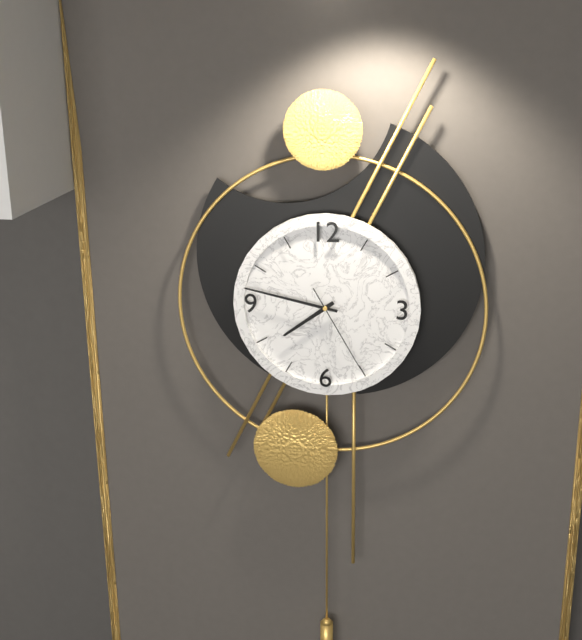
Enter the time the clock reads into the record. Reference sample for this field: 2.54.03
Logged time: 7.47.25
